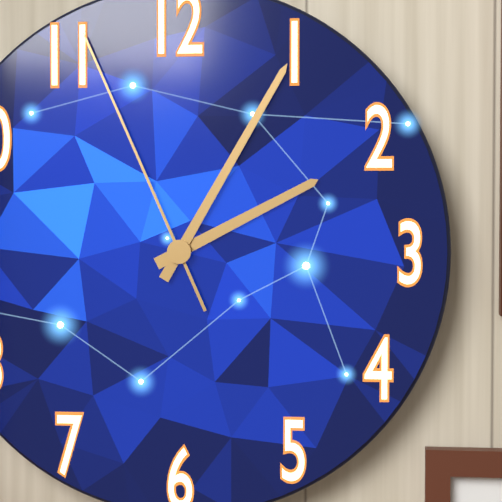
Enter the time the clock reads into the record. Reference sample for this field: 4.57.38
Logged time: 2.05.56
